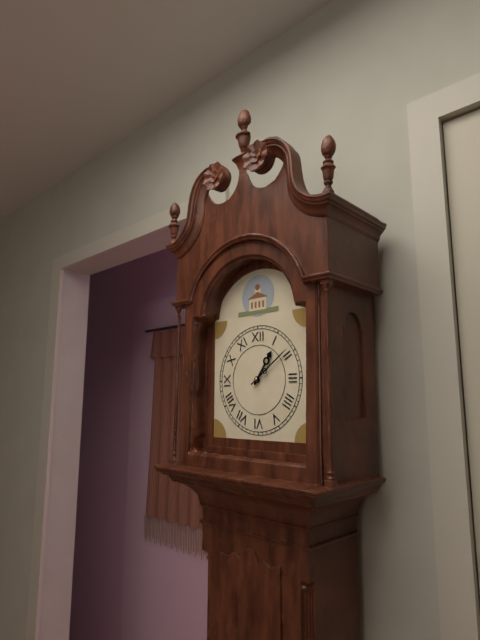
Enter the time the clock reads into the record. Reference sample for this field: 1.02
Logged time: 1.09
